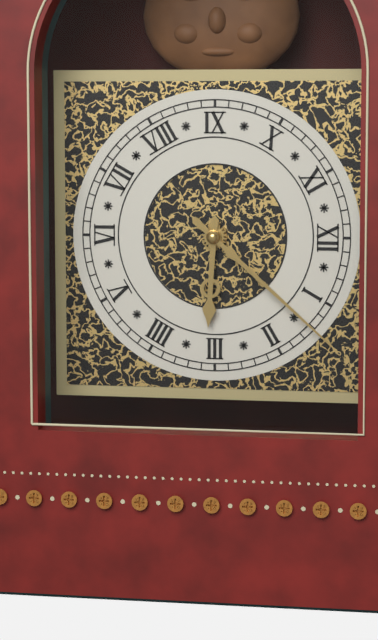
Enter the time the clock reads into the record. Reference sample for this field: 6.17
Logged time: 3.07
